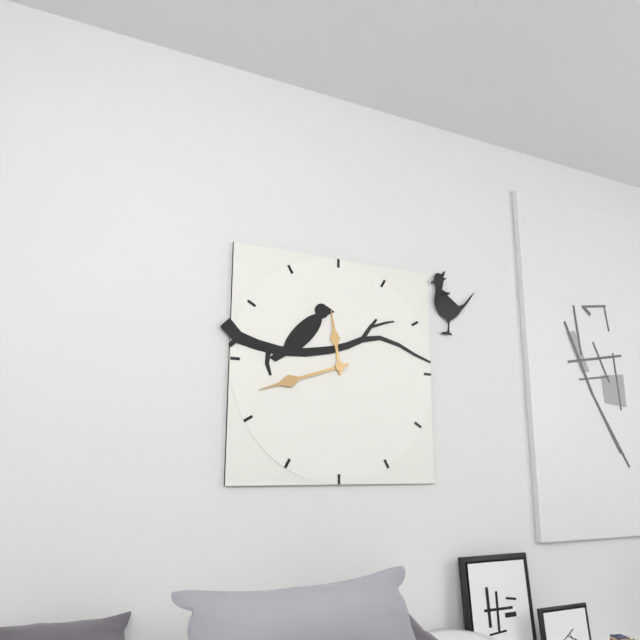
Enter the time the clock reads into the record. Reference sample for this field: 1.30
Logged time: 11.42
